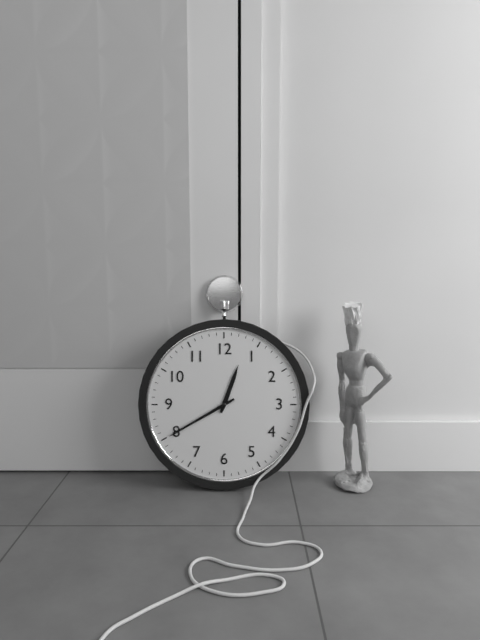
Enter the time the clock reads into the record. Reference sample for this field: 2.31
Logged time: 12.40
